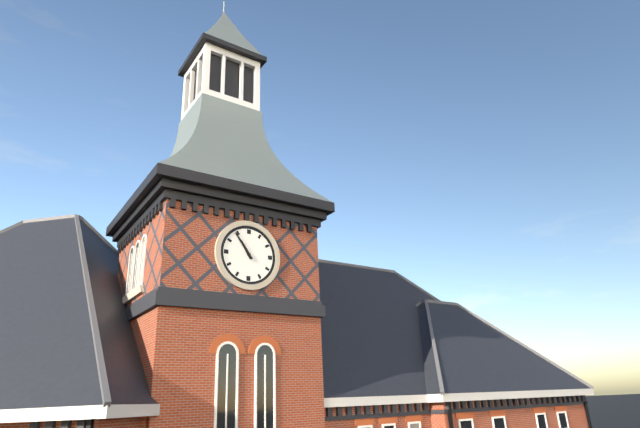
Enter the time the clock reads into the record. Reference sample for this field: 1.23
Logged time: 10.54
